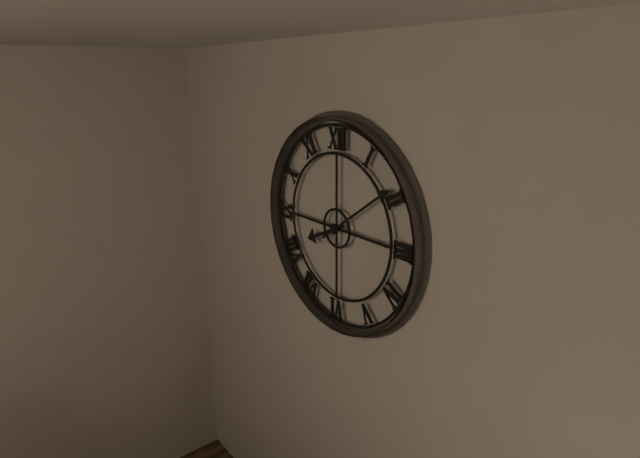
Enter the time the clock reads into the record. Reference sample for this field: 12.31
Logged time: 8.09
